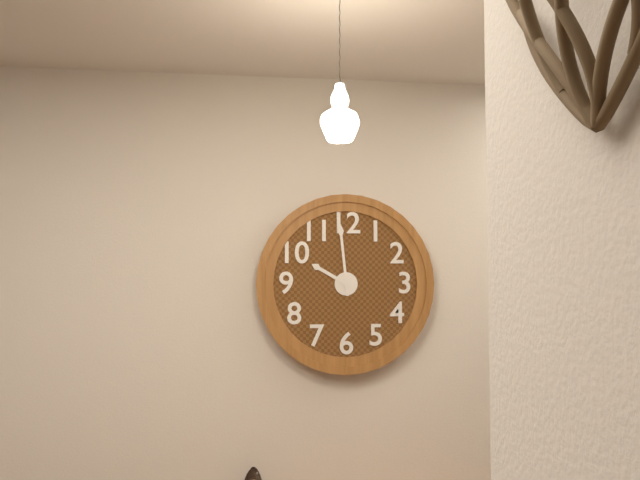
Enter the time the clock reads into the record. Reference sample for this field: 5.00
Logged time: 9.59
